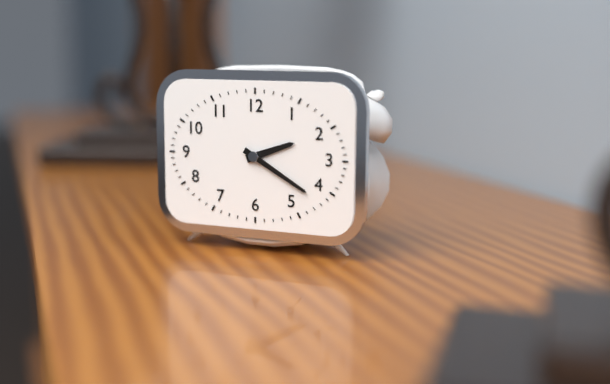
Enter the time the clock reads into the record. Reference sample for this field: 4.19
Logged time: 2.20
